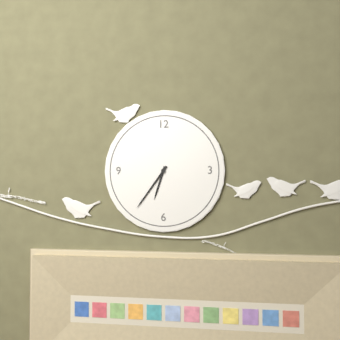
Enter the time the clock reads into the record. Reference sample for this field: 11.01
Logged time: 6.36
